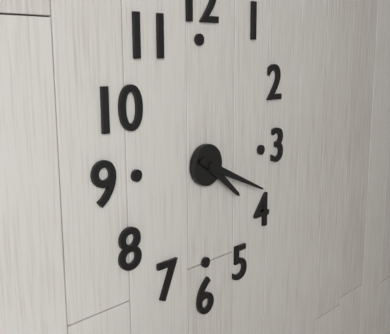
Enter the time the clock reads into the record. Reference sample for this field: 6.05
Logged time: 4.19
